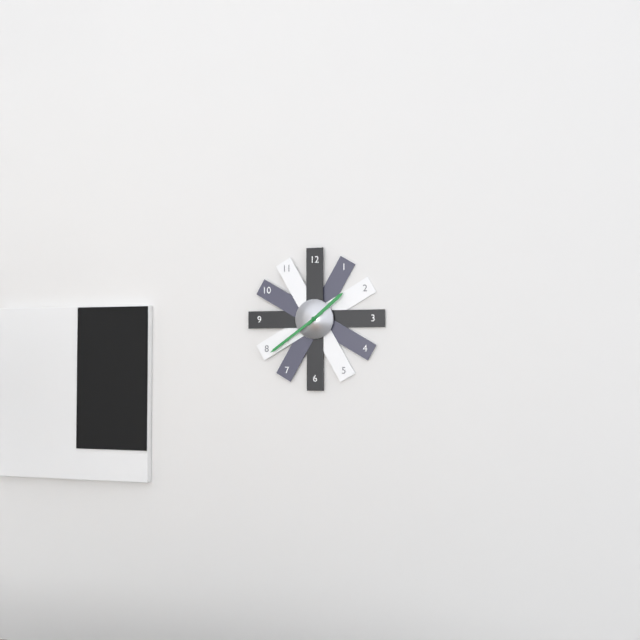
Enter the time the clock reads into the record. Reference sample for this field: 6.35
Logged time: 1.39
